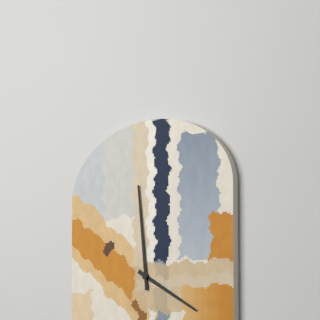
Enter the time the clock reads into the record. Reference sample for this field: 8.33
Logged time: 3.59
